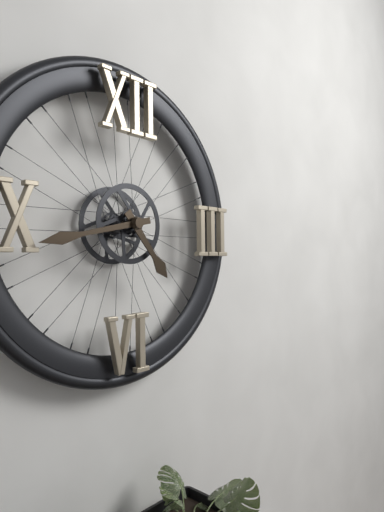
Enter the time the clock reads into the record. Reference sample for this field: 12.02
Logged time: 4.43
